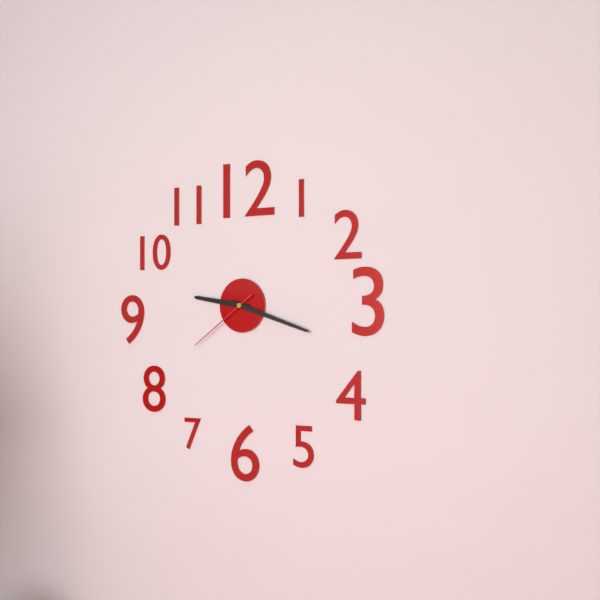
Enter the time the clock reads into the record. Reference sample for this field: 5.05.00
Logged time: 9.18.39
